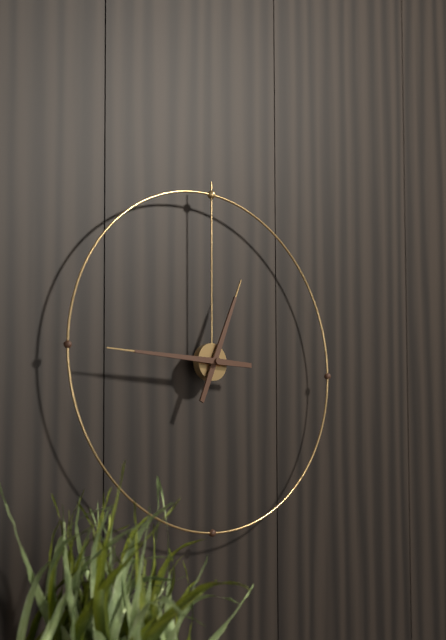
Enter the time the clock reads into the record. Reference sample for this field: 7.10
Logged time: 12.45
